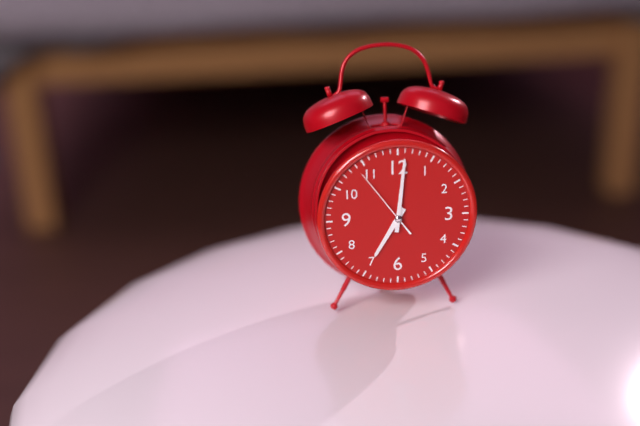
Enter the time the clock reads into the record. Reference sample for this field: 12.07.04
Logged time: 7.01.54
